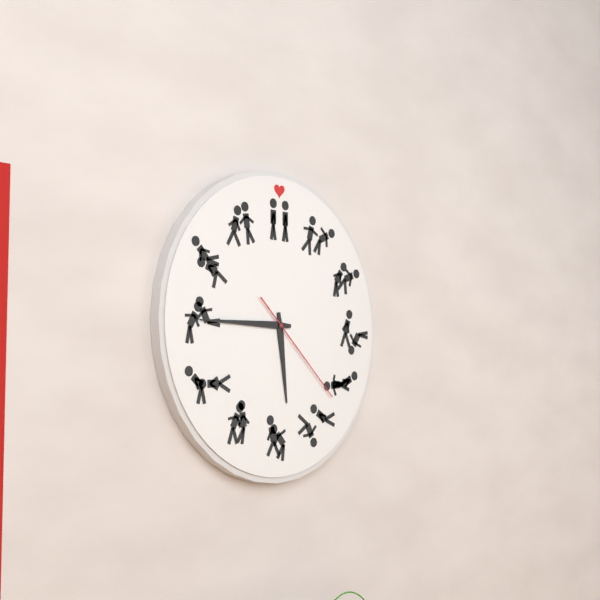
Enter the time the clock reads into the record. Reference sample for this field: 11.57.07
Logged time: 5.45.22
